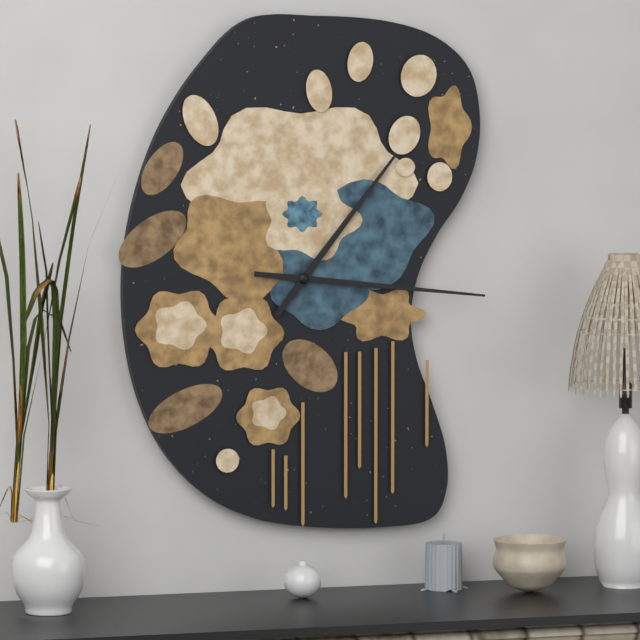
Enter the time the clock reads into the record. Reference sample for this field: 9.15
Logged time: 1.16
